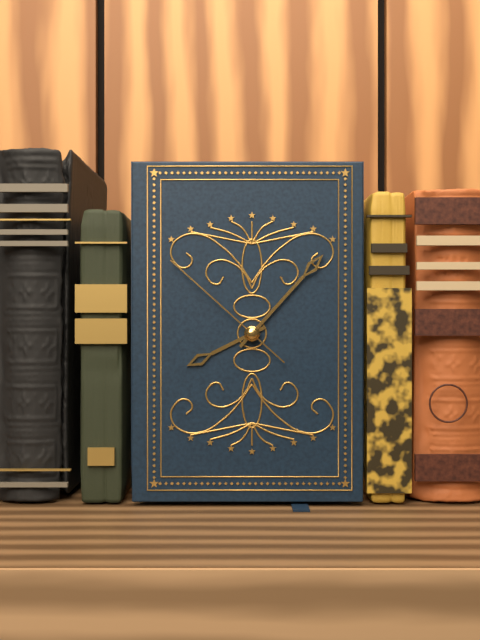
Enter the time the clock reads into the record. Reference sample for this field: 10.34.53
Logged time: 8.07.52
